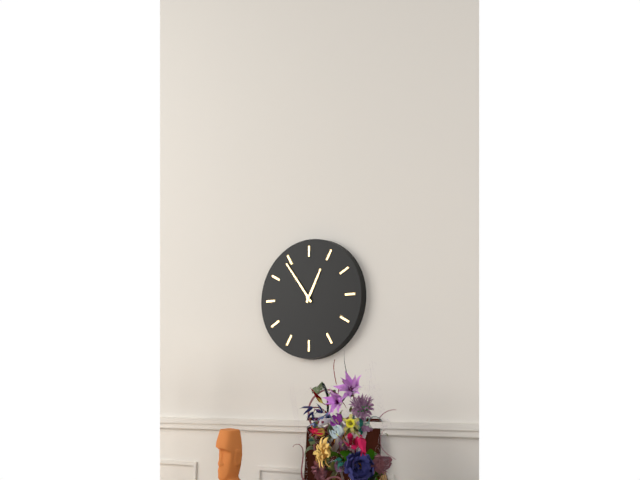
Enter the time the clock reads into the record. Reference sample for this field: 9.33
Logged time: 12.54
